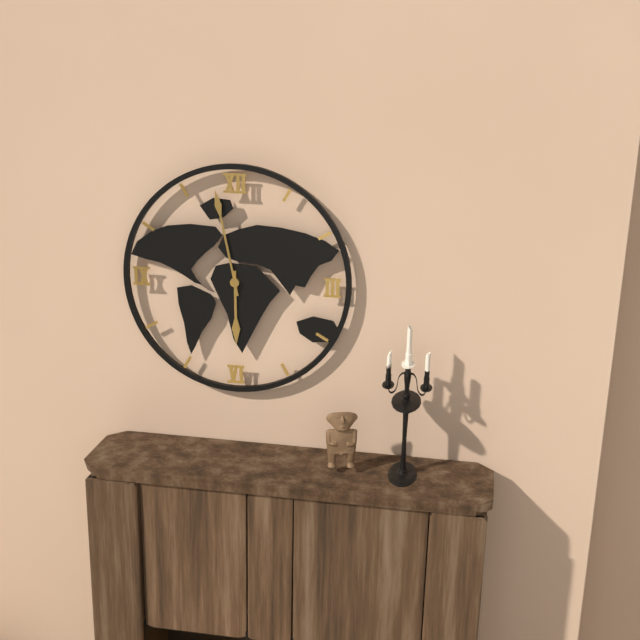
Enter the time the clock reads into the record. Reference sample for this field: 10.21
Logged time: 5.58
